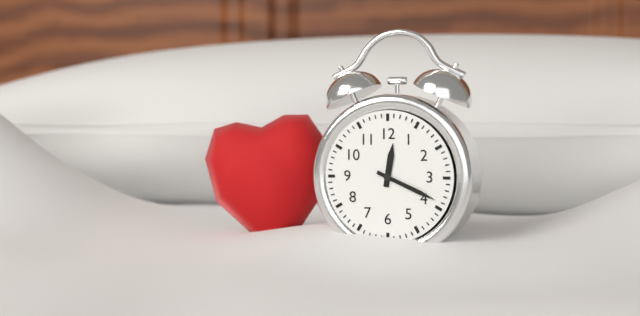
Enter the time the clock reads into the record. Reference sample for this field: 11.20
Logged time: 12.19
